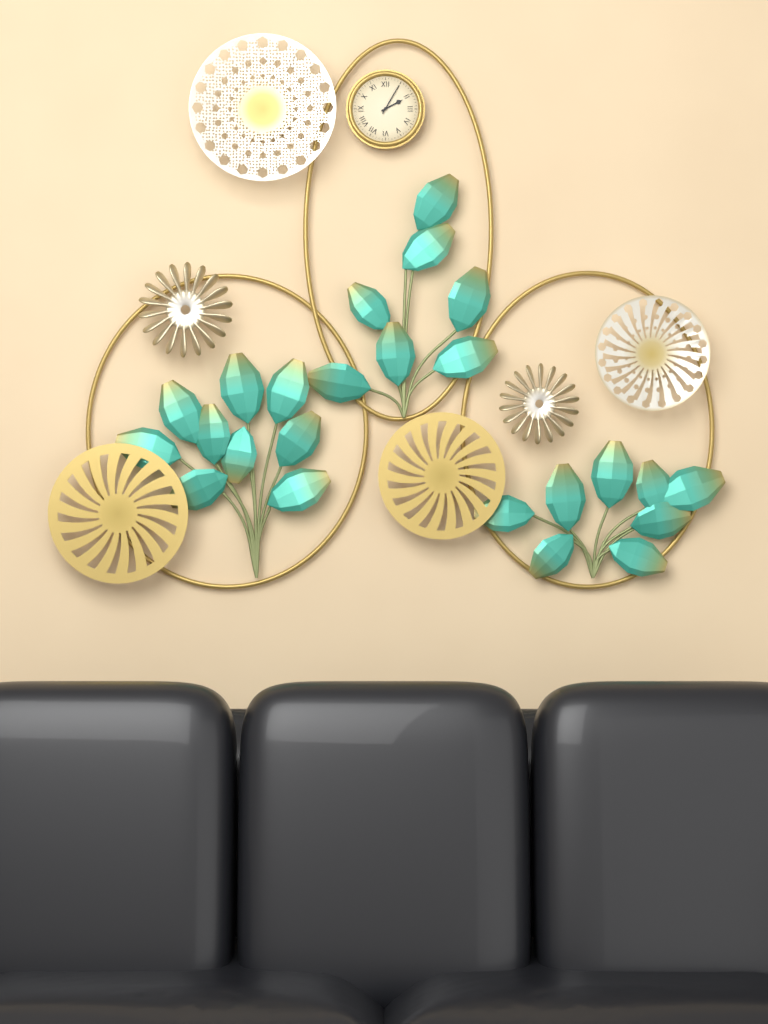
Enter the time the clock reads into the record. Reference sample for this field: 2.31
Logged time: 2.05
